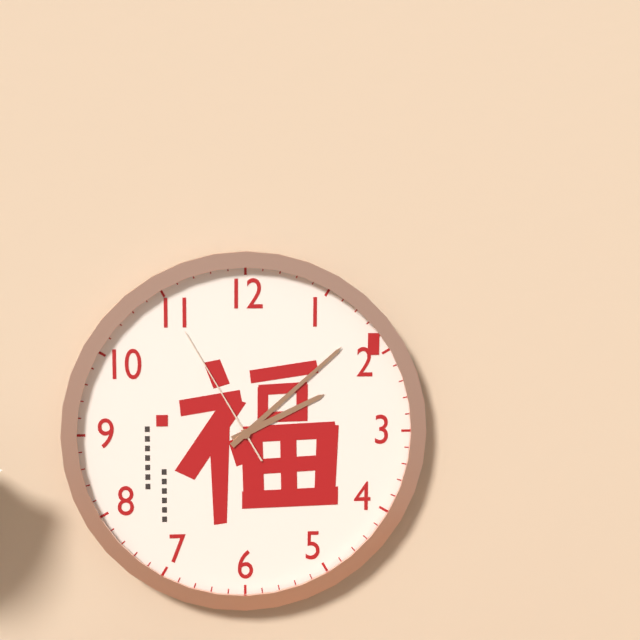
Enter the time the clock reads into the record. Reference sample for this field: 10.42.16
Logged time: 2.08.55
